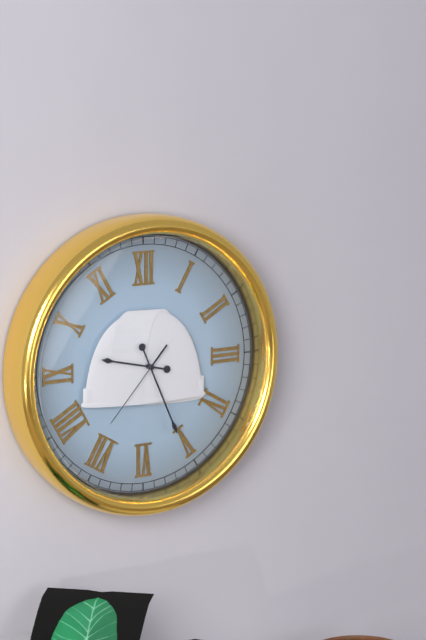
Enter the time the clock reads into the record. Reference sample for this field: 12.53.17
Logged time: 9.26.37
